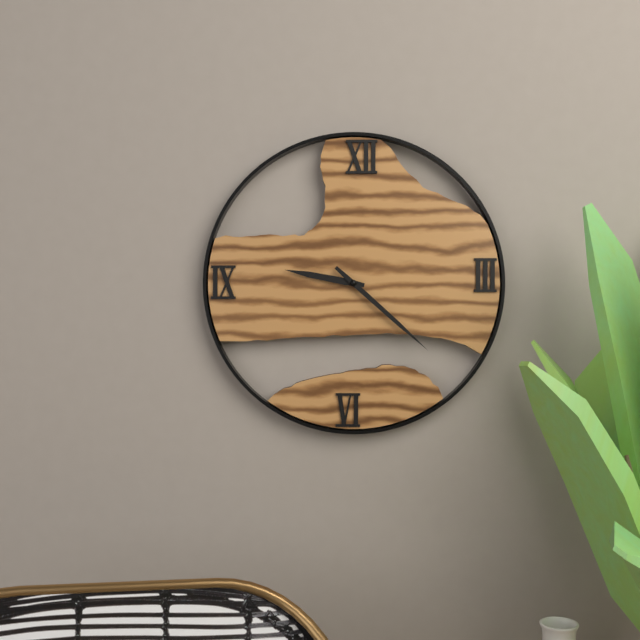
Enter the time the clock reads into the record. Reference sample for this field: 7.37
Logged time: 9.22
